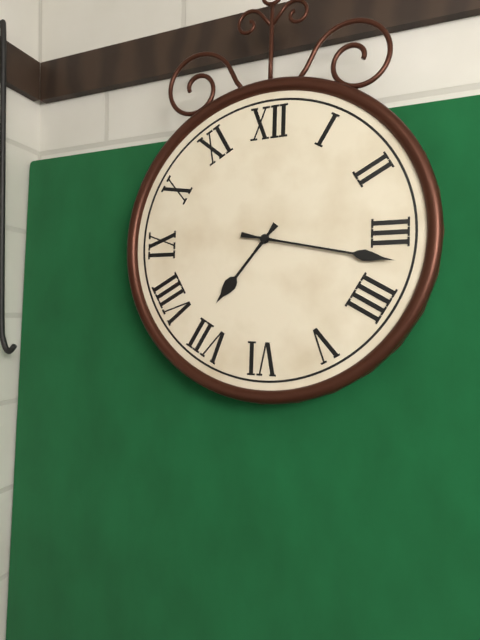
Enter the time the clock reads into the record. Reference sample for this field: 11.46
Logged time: 7.17
